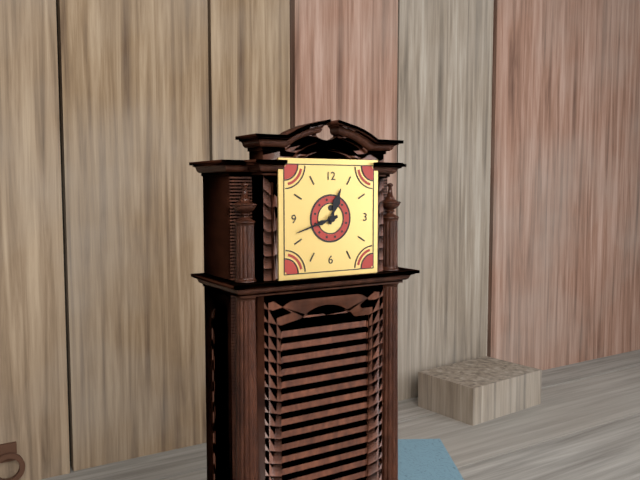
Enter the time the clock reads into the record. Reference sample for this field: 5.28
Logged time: 12.42
